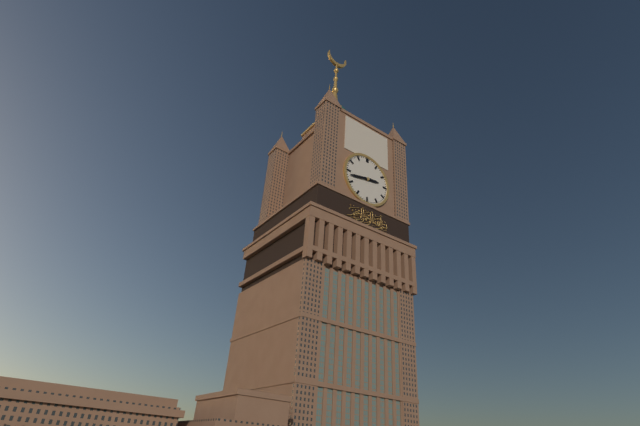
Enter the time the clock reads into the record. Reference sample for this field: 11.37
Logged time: 2.43
